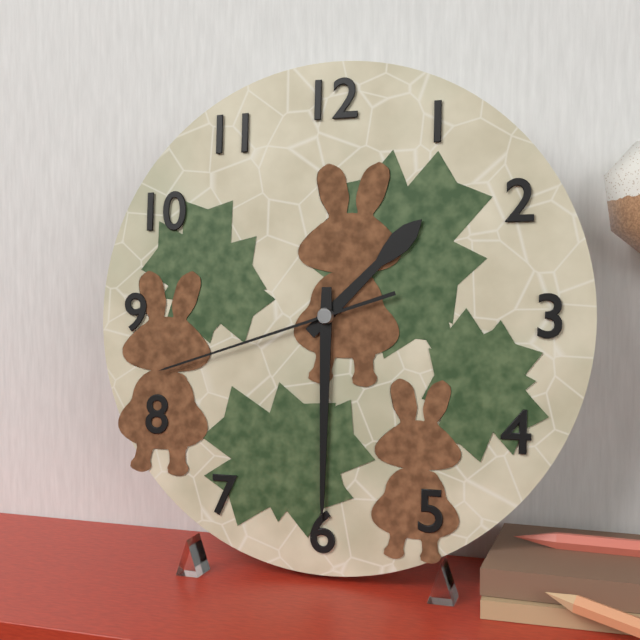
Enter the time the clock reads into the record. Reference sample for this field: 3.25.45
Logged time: 1.30.42
